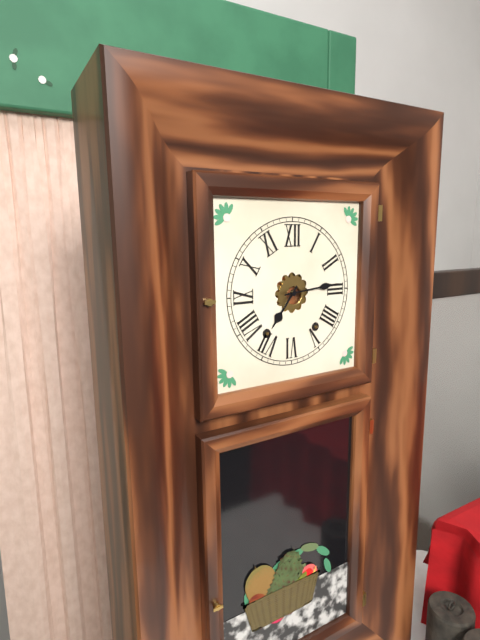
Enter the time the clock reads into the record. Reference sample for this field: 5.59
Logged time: 7.14
